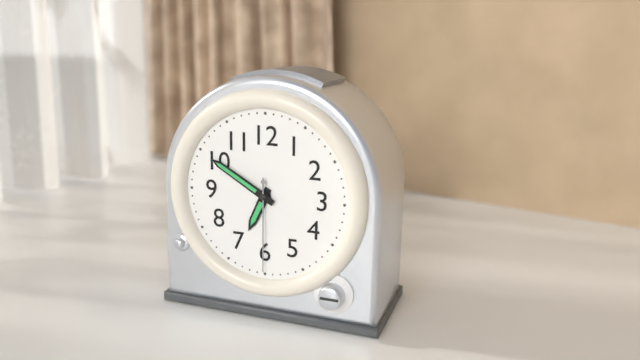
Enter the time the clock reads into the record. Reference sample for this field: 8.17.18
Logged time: 6.50.30
